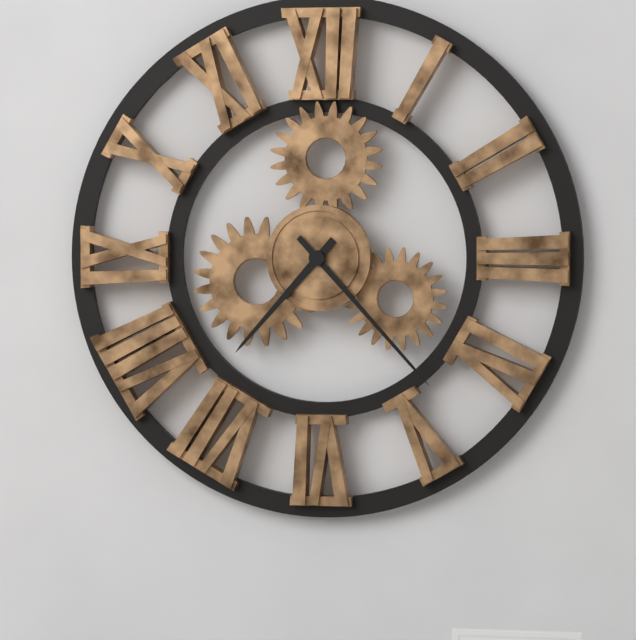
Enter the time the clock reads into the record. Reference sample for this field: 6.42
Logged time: 7.23
